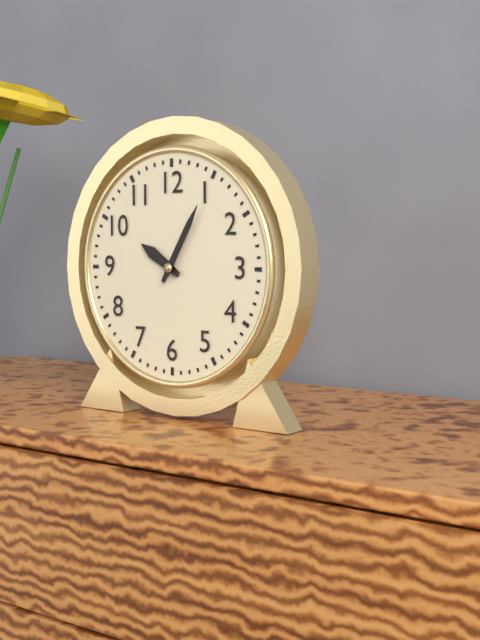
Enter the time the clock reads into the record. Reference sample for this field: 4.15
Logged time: 10.05
